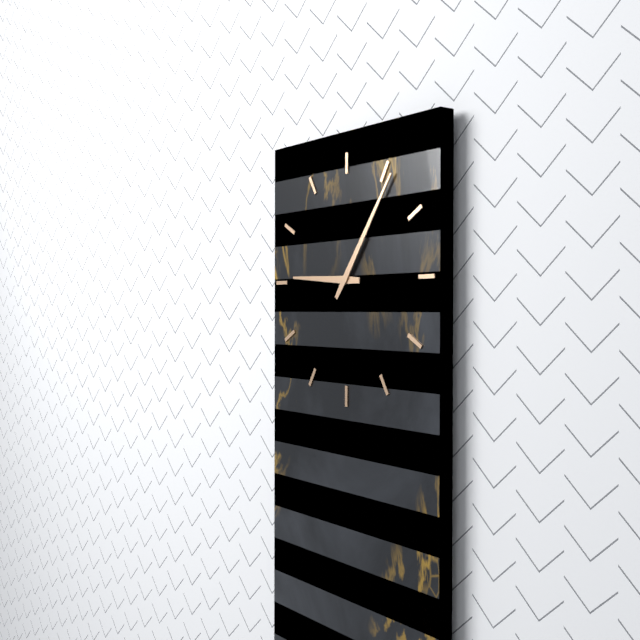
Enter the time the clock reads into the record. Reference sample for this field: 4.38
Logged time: 9.06
